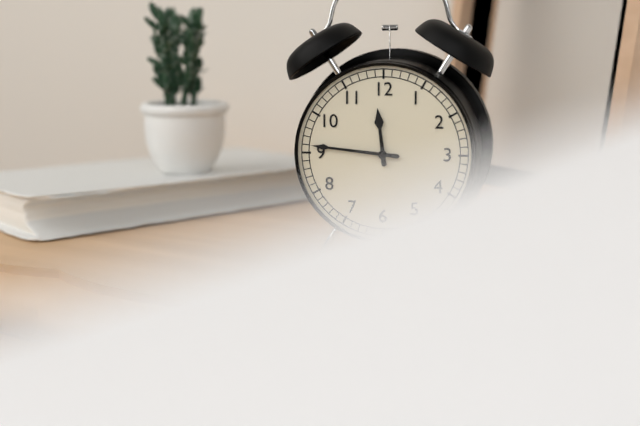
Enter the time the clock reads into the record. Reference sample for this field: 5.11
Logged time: 11.46
